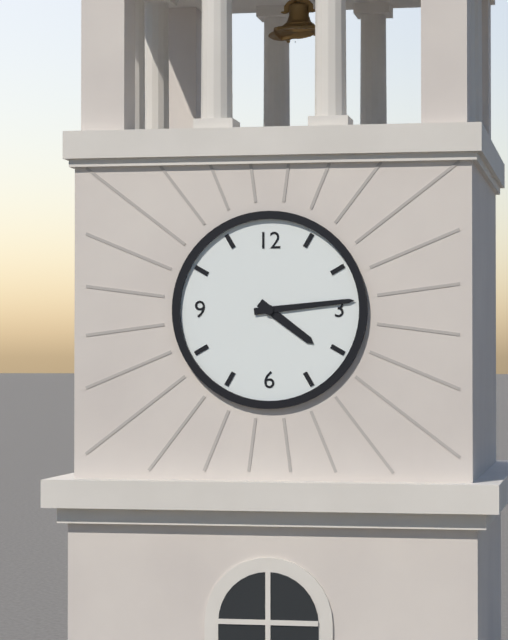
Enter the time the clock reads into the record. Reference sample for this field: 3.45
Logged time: 4.14
